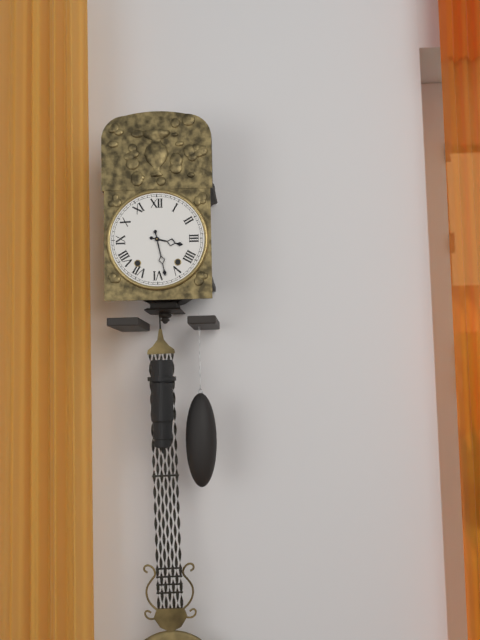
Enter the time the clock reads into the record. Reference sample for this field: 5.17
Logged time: 3.28
